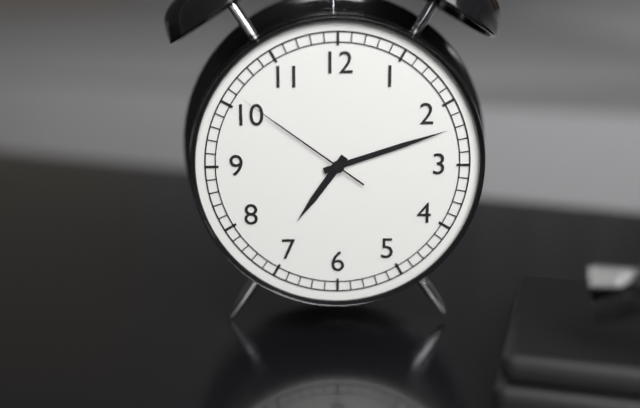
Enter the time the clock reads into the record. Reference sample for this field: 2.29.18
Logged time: 7.12.51
